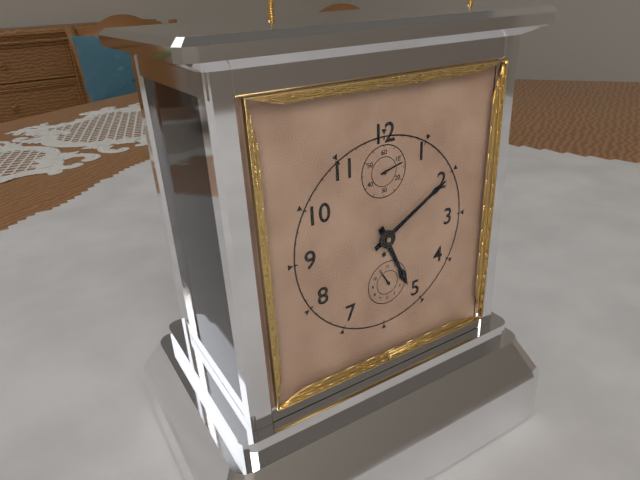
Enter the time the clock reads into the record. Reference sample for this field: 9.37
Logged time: 5.10
